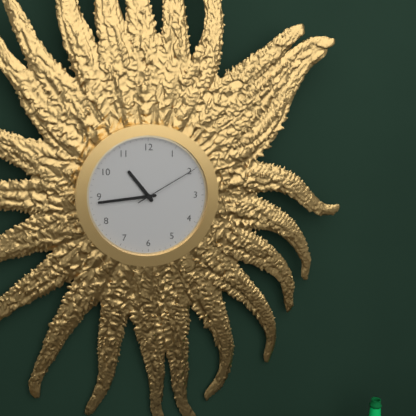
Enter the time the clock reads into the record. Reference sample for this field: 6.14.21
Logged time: 10.44.10
